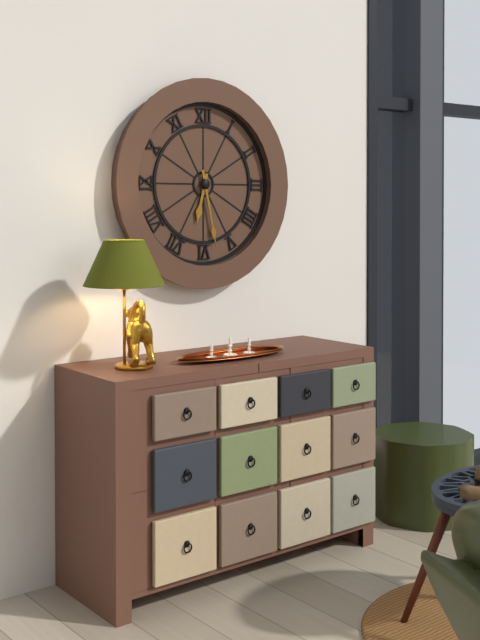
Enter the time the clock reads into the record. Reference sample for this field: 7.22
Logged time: 6.28
